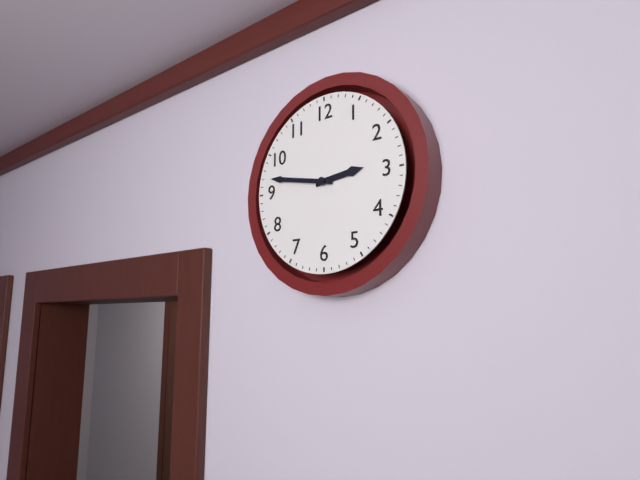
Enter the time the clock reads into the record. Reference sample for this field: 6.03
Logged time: 2.47
